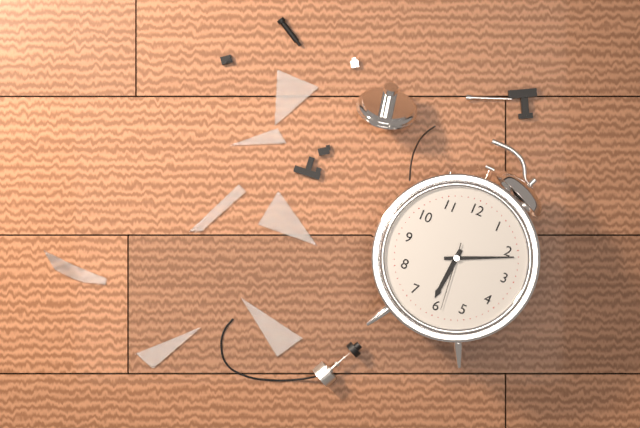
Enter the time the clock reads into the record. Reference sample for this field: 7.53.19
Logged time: 6.11.29
